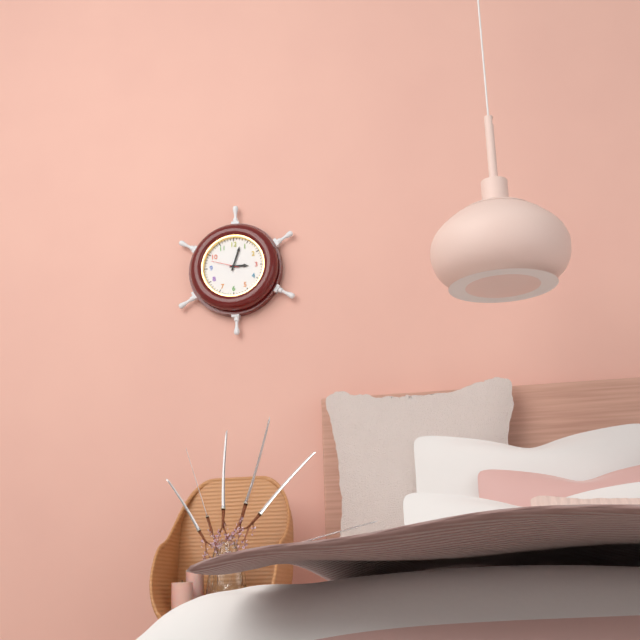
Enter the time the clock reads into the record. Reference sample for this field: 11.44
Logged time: 3.03
